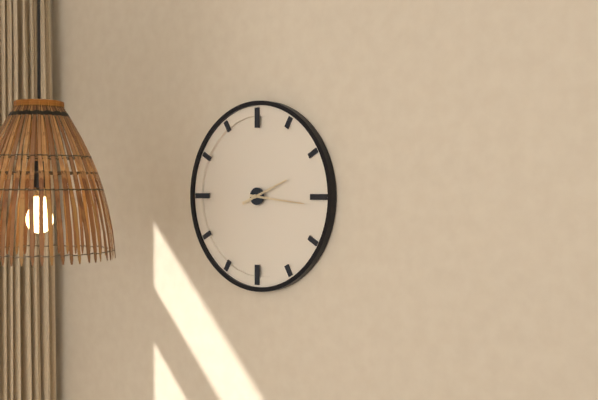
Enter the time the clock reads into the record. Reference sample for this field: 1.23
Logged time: 2.16
